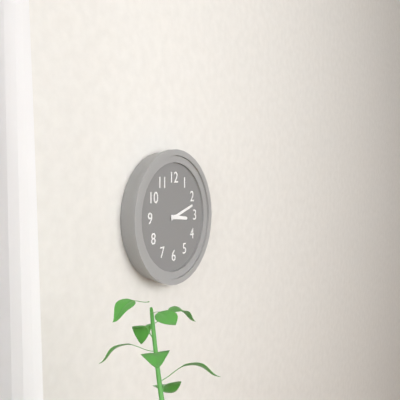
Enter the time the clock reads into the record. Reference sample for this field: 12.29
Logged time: 3.12
